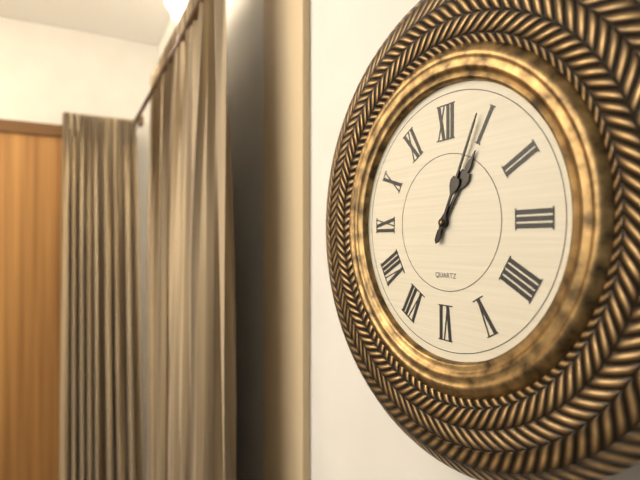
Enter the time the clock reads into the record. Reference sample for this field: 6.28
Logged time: 1.04
